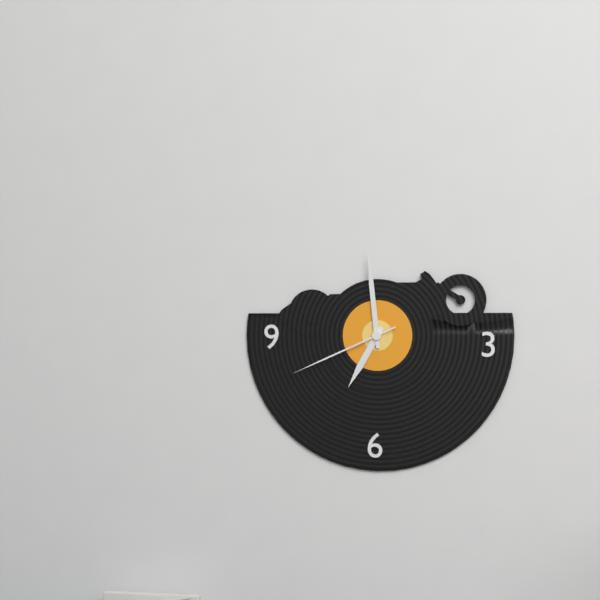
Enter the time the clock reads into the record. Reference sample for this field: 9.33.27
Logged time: 6.59.41
